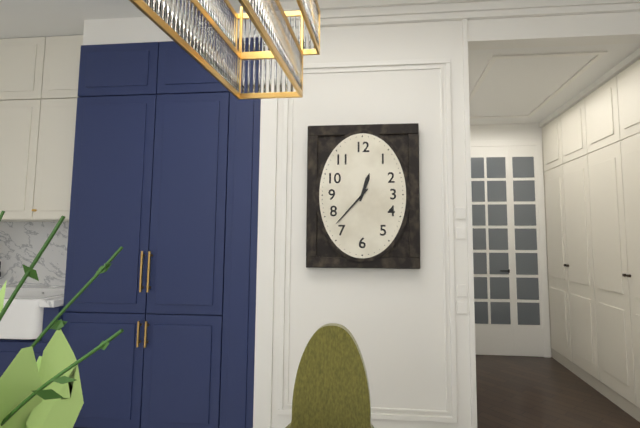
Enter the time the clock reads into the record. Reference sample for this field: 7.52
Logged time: 12.37
